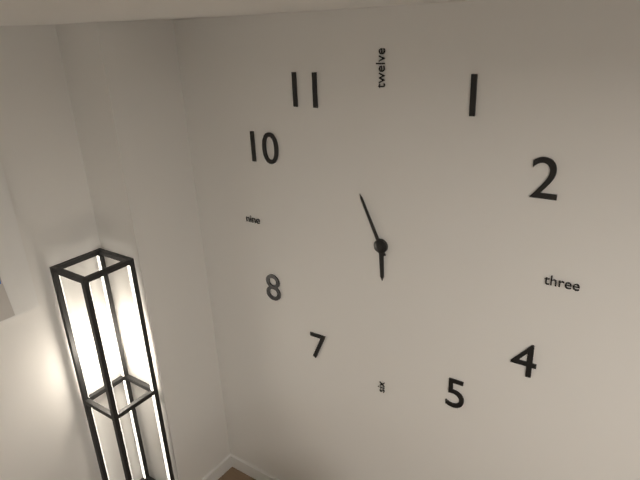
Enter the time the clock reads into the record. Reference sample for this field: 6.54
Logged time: 5.56
